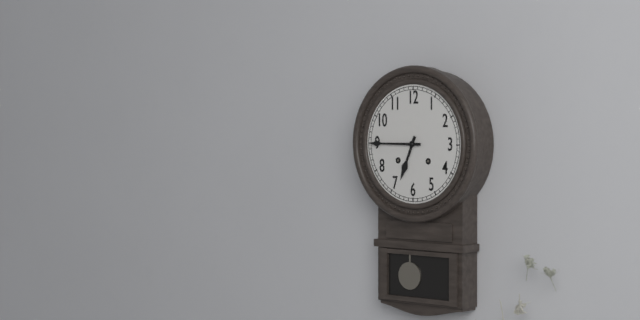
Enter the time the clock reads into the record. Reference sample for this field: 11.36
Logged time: 6.45
